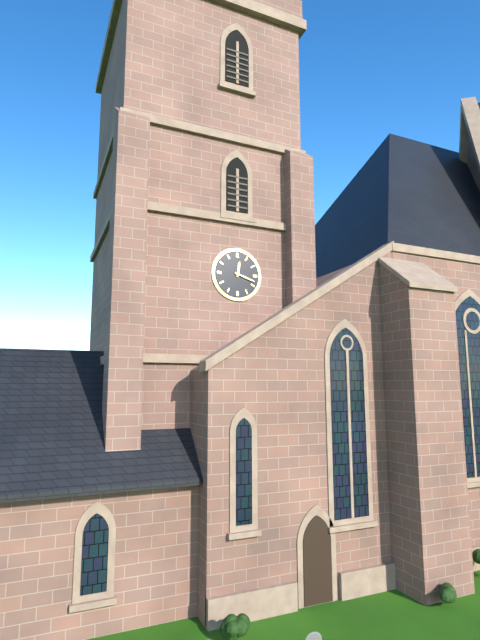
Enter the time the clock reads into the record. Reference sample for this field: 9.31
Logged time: 12.18
